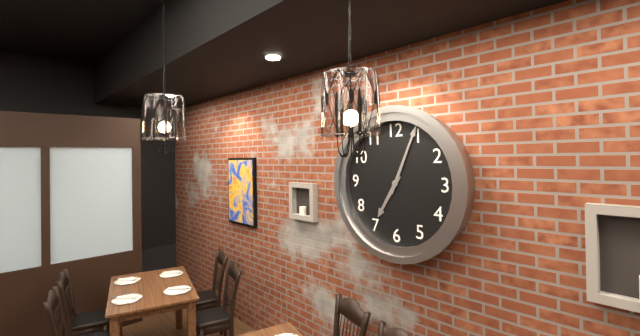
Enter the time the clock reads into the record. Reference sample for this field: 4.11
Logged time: 7.04
